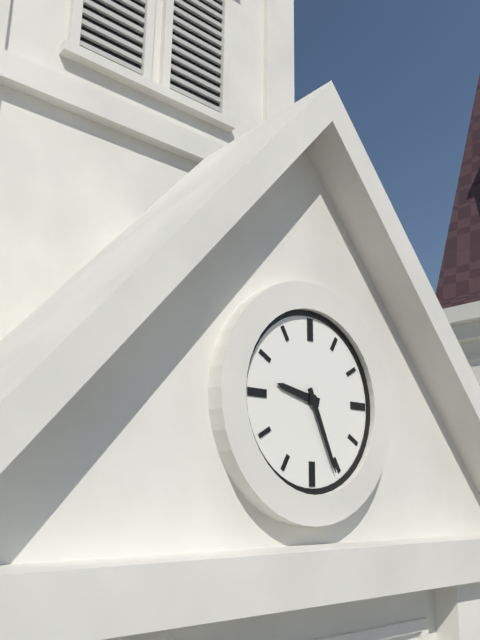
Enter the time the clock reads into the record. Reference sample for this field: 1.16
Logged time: 9.26
